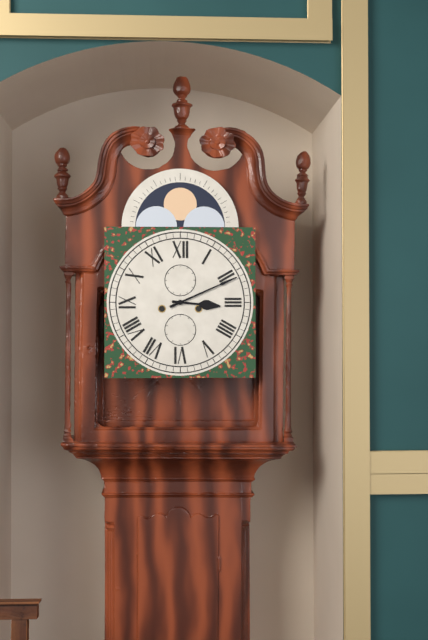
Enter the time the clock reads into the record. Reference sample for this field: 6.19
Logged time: 3.11
